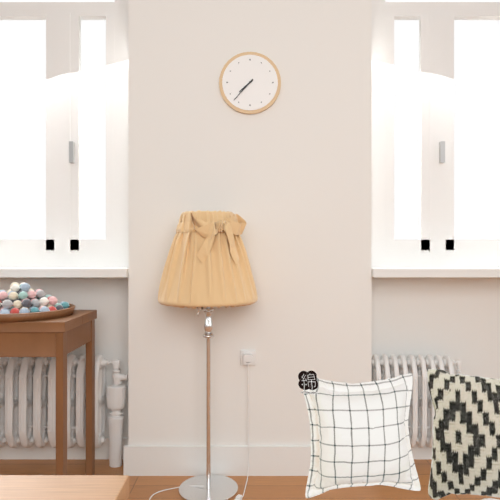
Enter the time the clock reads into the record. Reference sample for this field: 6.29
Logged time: 7.37
